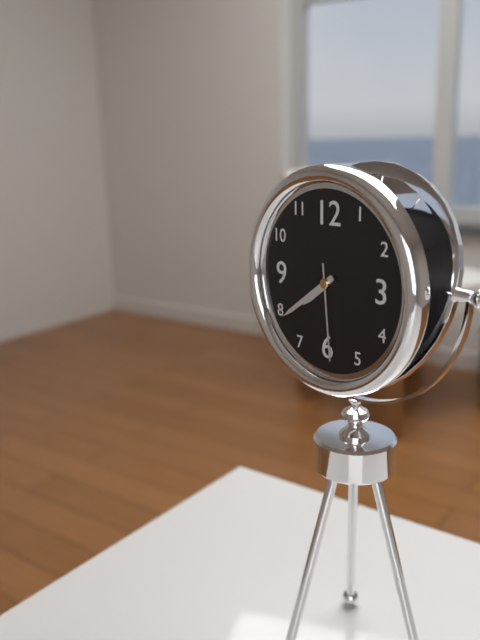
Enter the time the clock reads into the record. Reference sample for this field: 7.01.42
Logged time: 7.39.29
